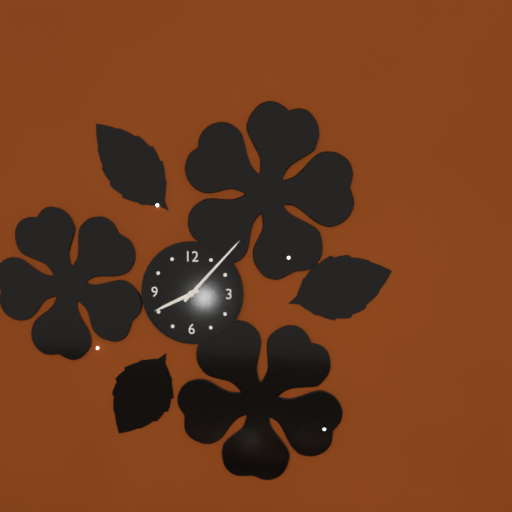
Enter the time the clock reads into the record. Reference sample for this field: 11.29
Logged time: 8.07
